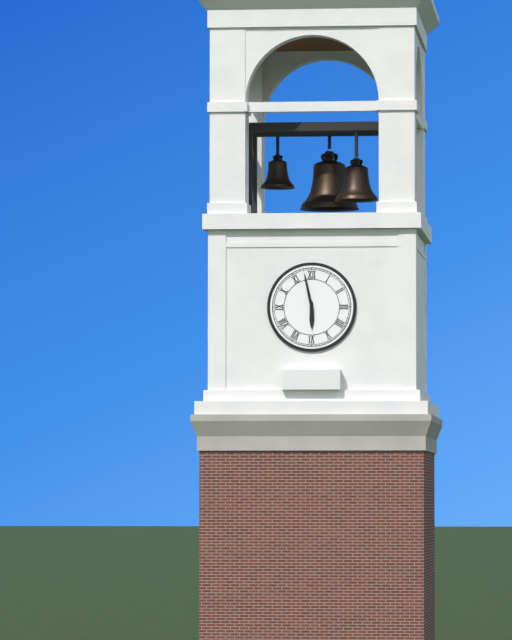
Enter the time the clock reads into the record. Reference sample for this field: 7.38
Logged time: 5.58
